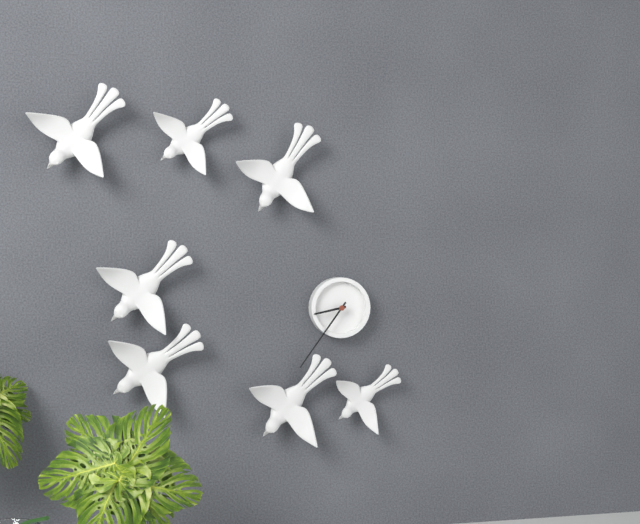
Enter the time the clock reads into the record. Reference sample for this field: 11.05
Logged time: 8.36
